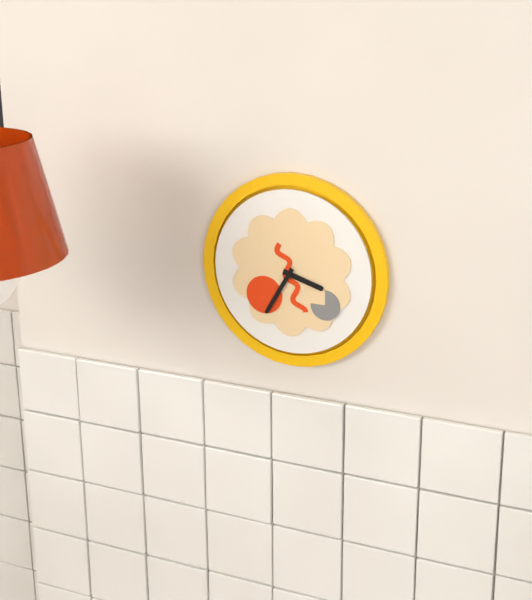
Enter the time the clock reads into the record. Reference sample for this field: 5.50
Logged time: 3.35
